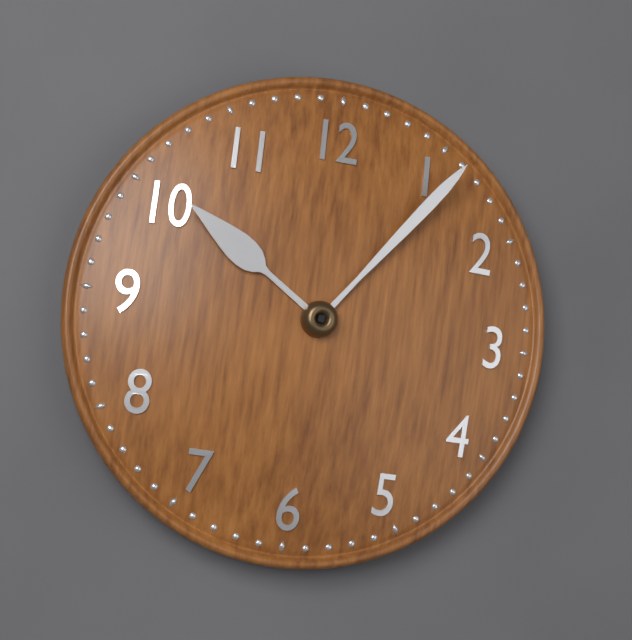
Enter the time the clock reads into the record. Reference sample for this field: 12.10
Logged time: 10.06
